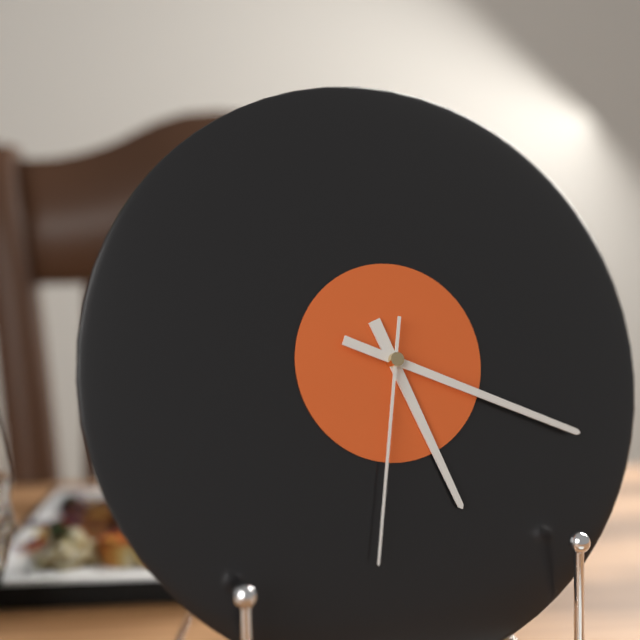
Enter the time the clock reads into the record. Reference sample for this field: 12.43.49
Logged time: 5.19.32
